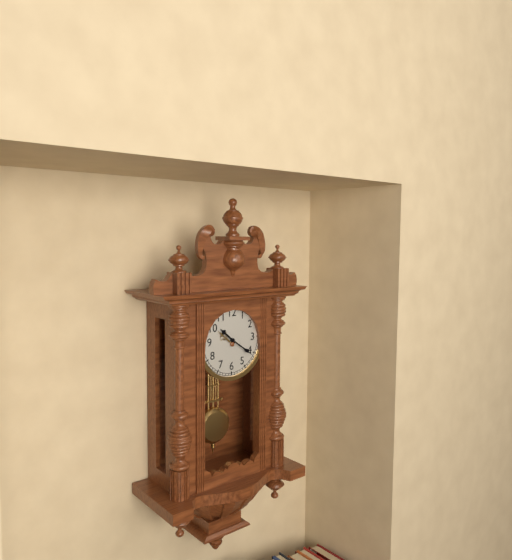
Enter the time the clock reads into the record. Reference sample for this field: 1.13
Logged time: 10.21
